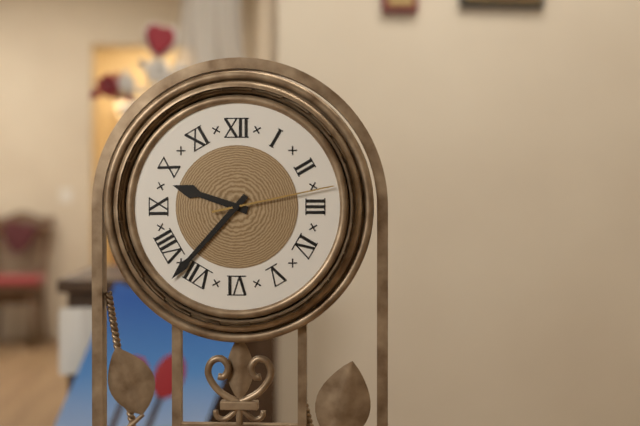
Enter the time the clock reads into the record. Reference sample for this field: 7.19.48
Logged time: 9.37.13
